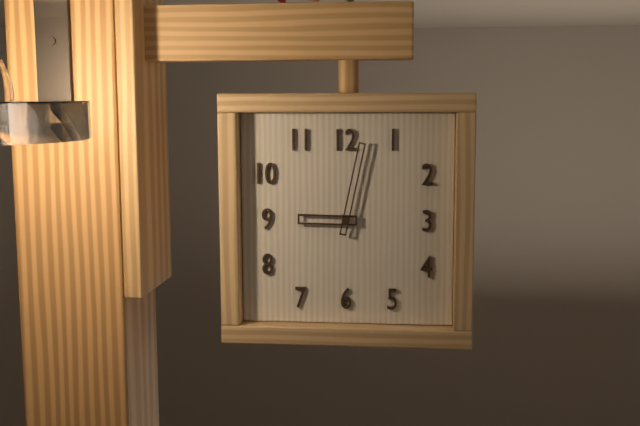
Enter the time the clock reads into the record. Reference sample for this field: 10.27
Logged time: 9.02
